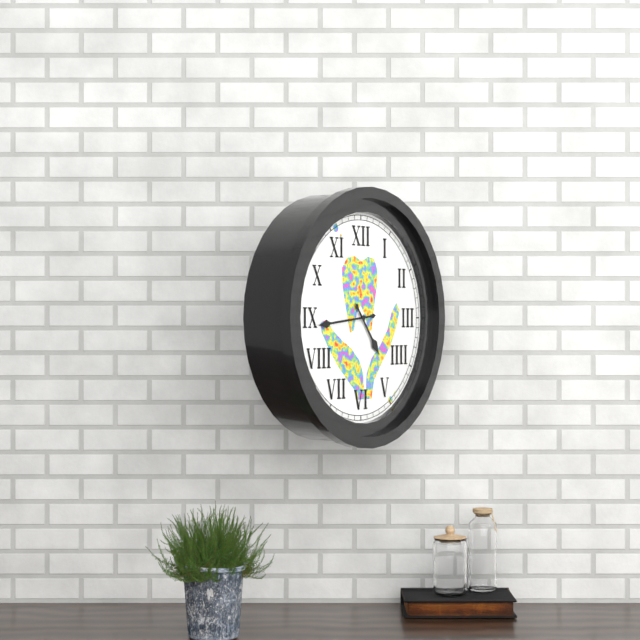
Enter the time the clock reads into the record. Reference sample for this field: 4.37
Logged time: 4.44
